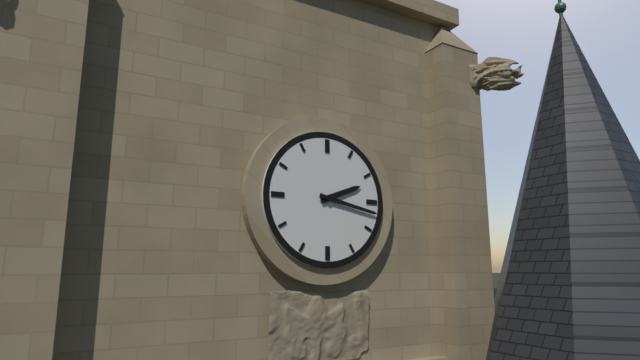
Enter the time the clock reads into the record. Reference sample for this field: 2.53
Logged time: 2.17
